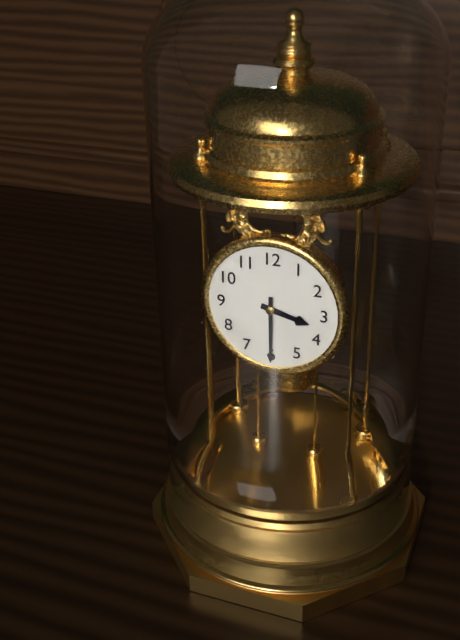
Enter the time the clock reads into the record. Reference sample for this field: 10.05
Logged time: 3.30
